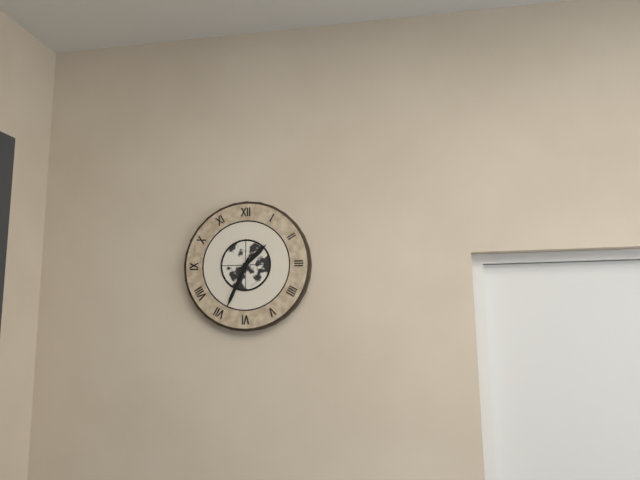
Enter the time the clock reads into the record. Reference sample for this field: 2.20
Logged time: 1.34
